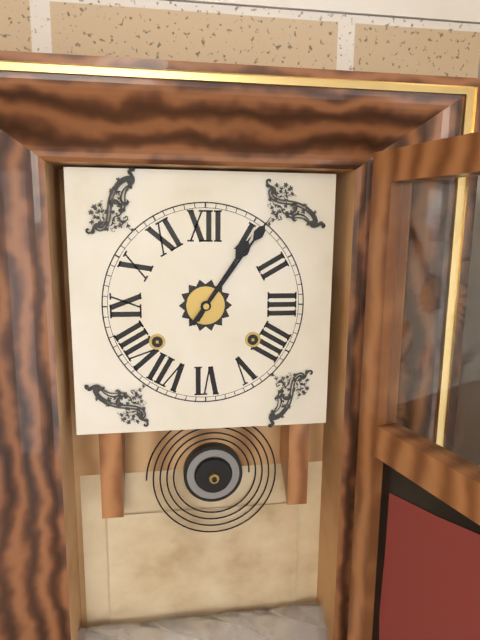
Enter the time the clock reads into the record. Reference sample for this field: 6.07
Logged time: 1.06
